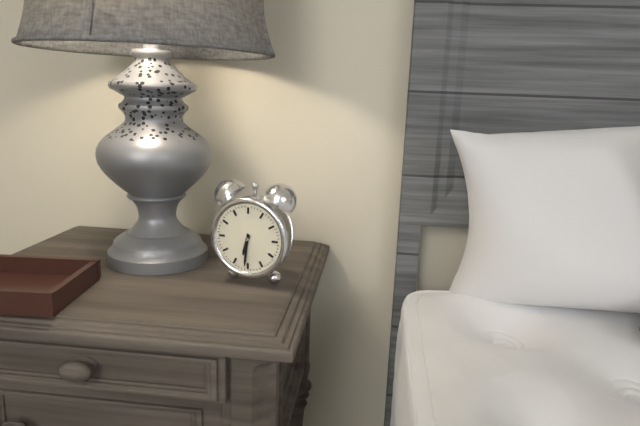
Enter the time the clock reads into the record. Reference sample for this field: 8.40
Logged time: 6.31
